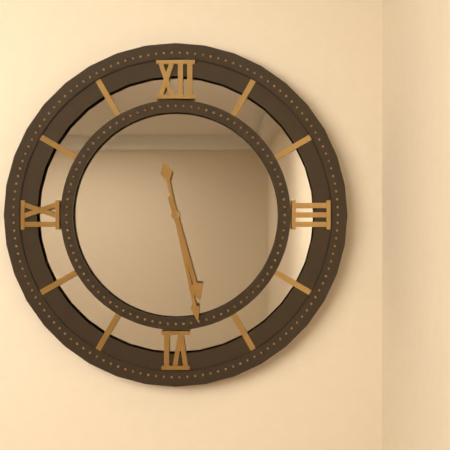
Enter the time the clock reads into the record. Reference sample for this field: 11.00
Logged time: 5.28
